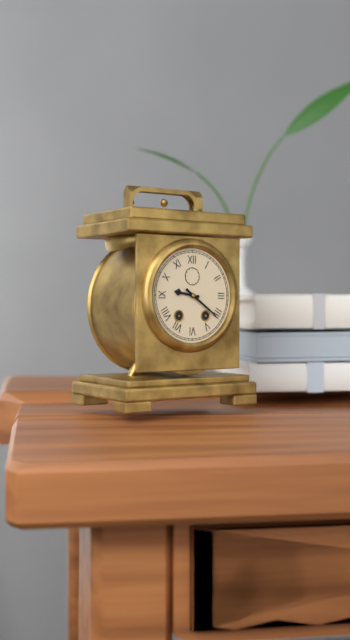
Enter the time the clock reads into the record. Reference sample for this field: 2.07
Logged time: 9.21
